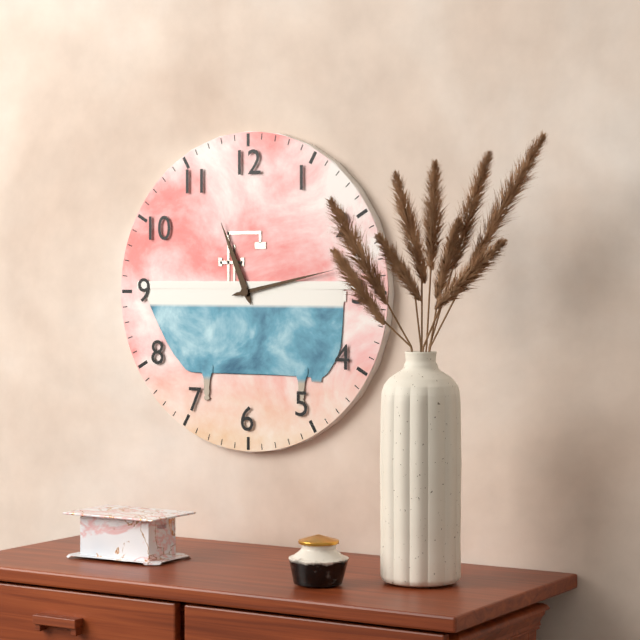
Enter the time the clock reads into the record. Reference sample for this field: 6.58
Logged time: 11.13
